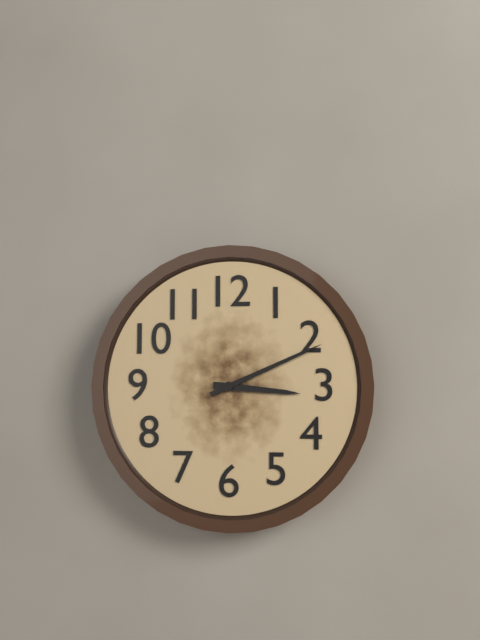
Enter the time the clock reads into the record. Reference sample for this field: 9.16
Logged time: 3.11
